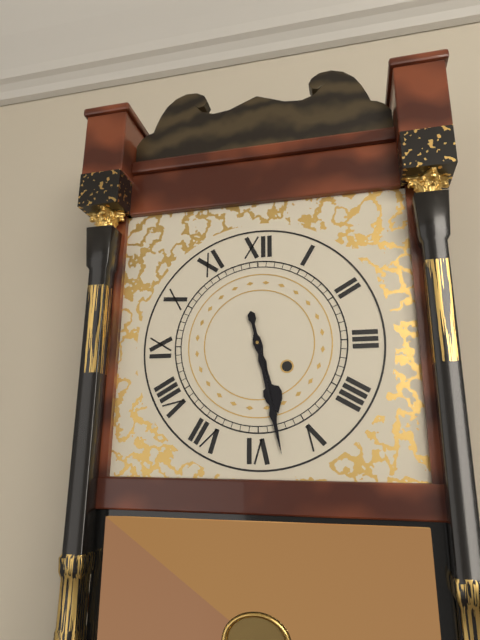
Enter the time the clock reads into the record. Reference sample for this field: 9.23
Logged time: 5.28
